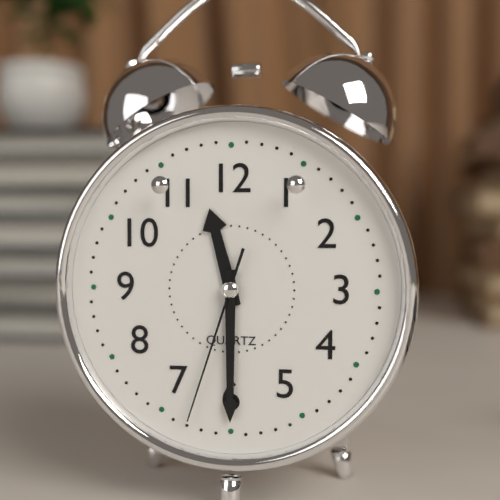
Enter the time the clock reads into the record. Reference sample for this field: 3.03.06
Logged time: 11.30.33
